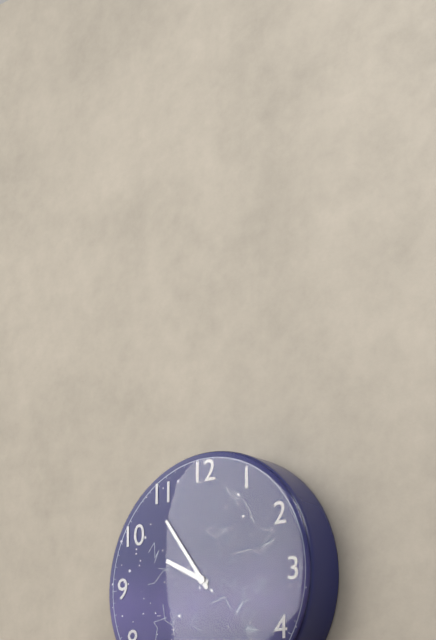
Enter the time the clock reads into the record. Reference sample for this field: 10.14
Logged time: 9.54
